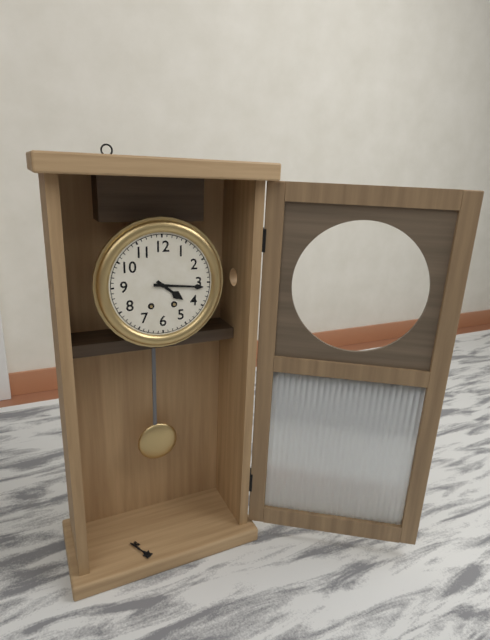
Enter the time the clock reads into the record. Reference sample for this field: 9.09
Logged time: 4.16
